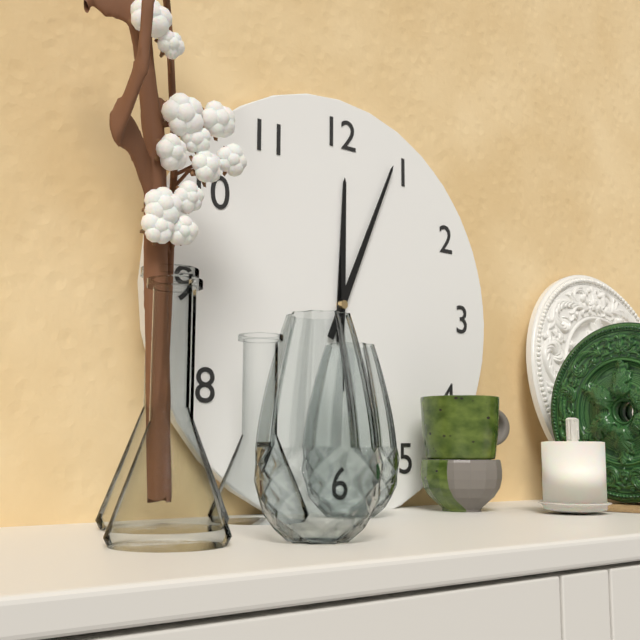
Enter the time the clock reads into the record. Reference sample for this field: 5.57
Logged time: 12.04
